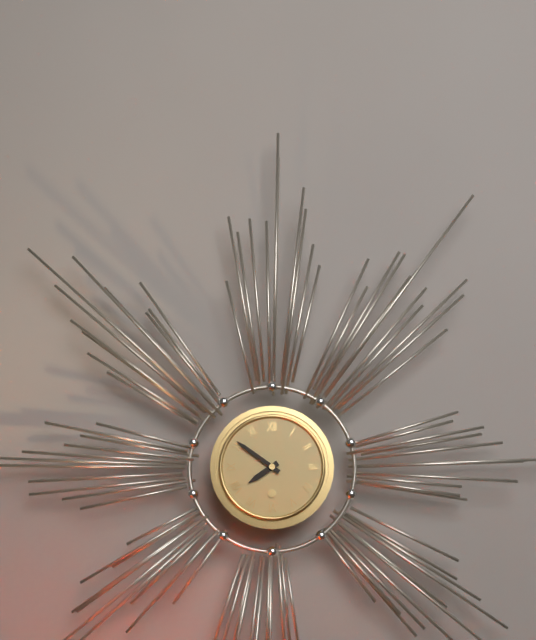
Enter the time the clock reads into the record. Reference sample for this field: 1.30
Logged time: 7.51
